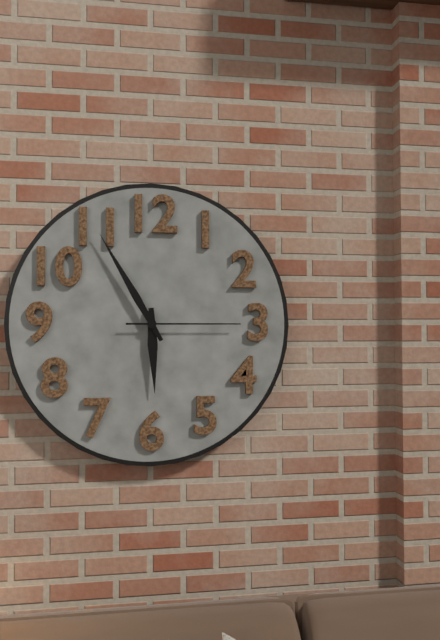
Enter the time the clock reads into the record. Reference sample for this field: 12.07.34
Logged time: 5.55.15
